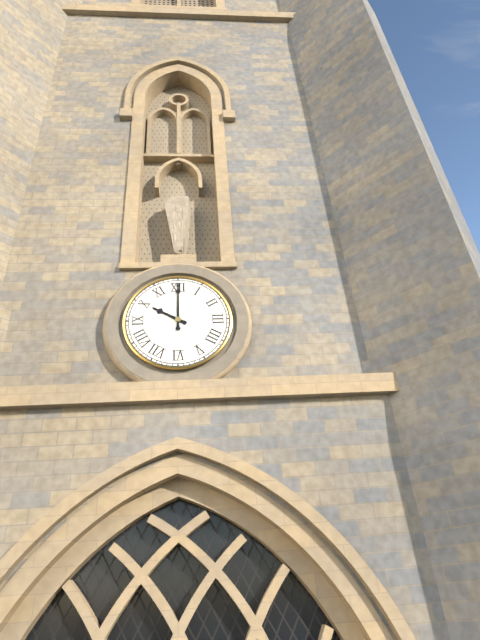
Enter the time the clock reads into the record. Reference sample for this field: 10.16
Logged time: 10.00
